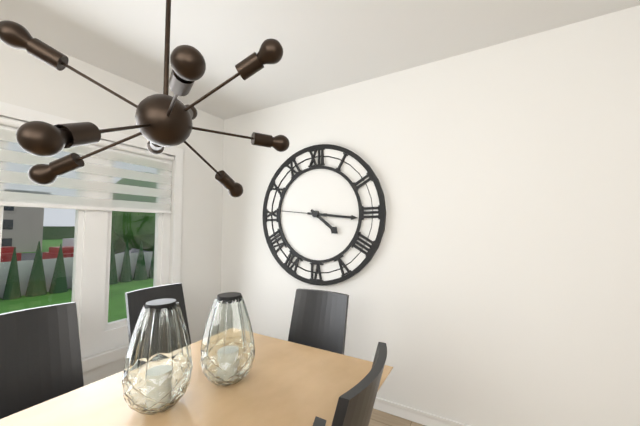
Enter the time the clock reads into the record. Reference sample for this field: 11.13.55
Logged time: 4.16.46
